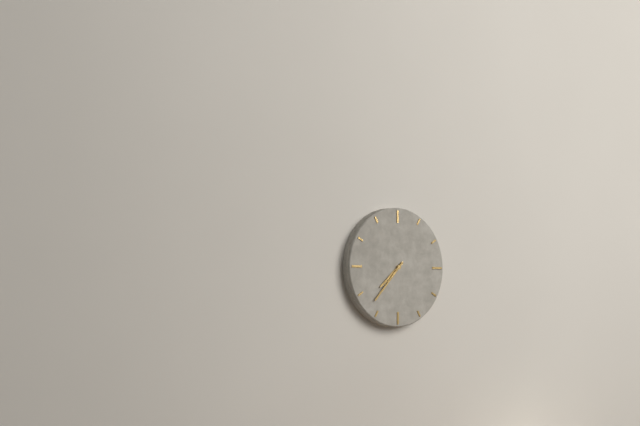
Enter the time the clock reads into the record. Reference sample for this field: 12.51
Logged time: 7.37
